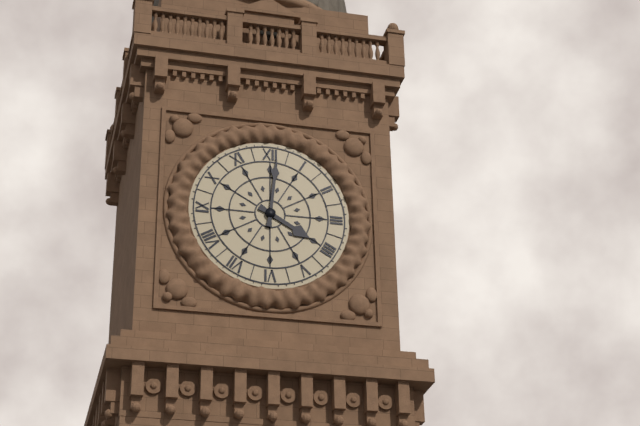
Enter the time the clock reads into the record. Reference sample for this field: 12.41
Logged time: 4.01
